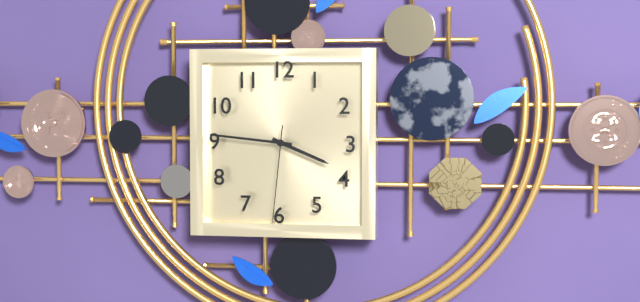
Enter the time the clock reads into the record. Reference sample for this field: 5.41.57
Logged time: 3.46.31
